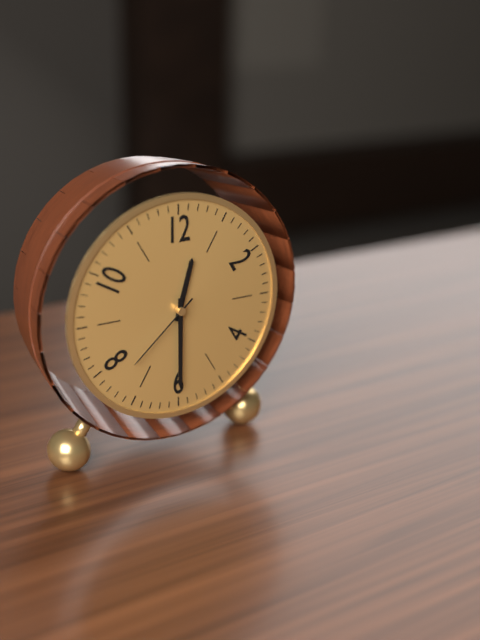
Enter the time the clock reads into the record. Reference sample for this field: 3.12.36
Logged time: 12.30.38
